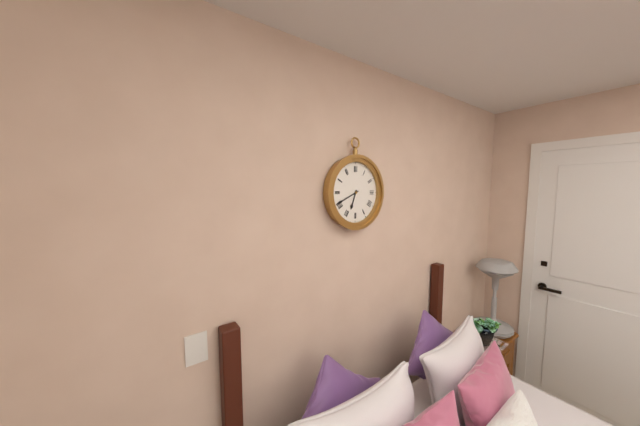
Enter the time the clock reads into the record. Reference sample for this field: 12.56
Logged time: 6.41
